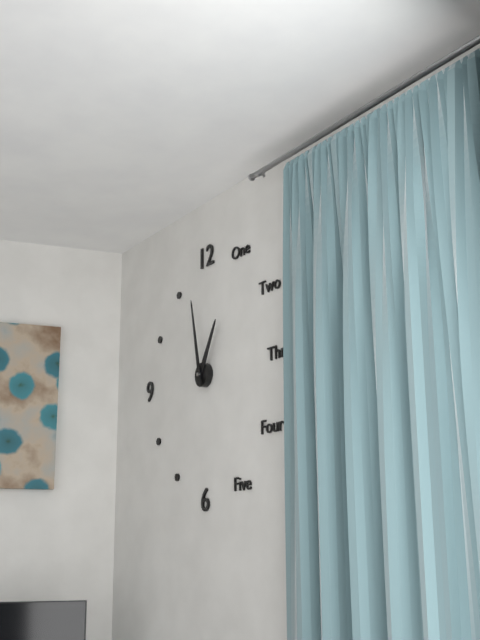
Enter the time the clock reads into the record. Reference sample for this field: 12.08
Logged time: 12.58
